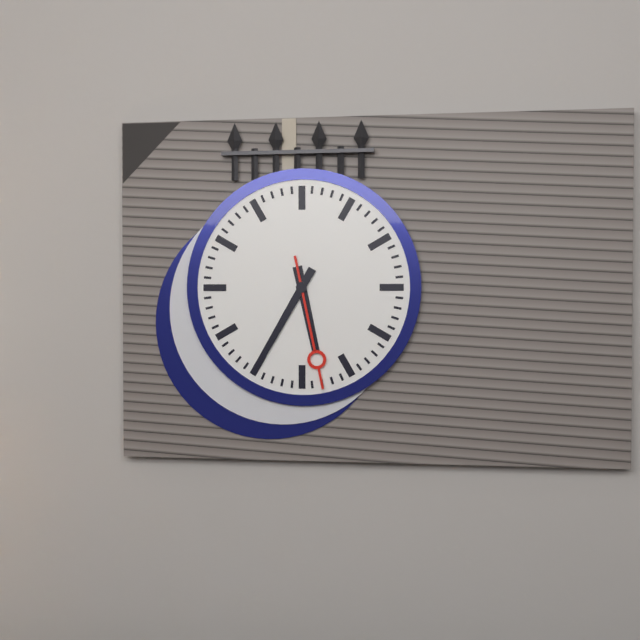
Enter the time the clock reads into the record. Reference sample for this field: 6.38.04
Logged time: 5.35.28
